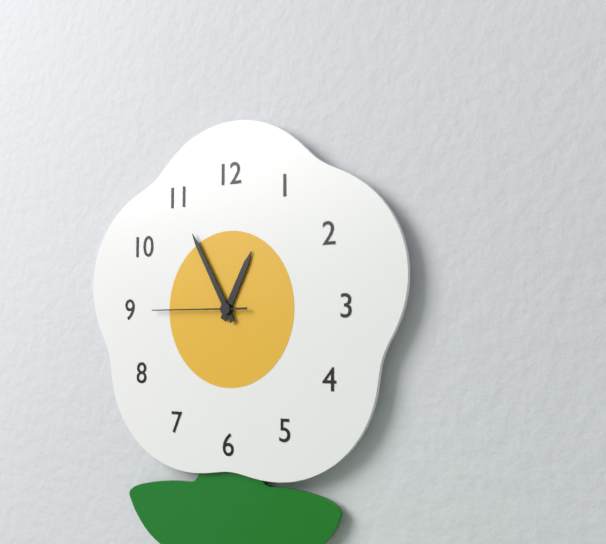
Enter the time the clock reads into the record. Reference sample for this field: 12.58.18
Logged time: 12.55.45
